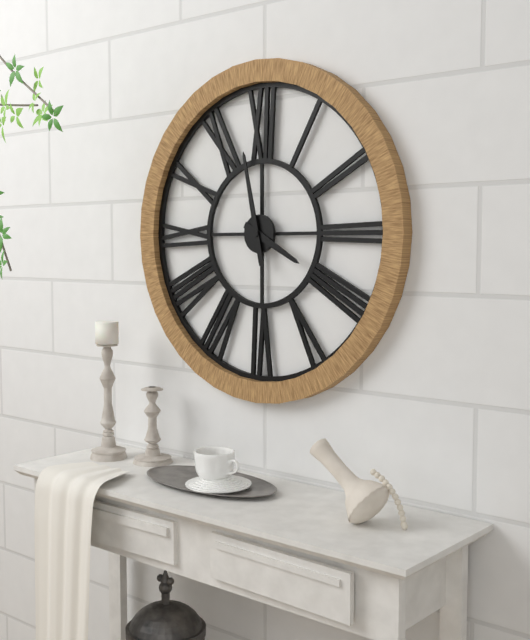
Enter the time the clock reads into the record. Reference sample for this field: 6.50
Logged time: 3.58
